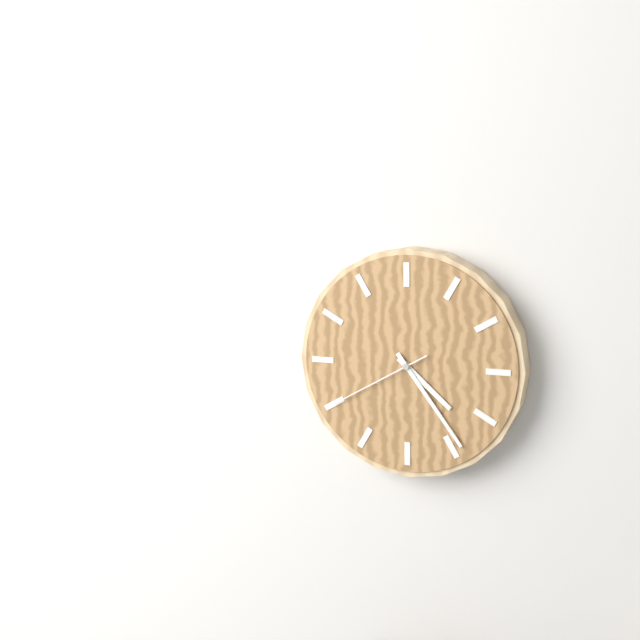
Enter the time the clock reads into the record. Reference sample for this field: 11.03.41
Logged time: 4.24.40
